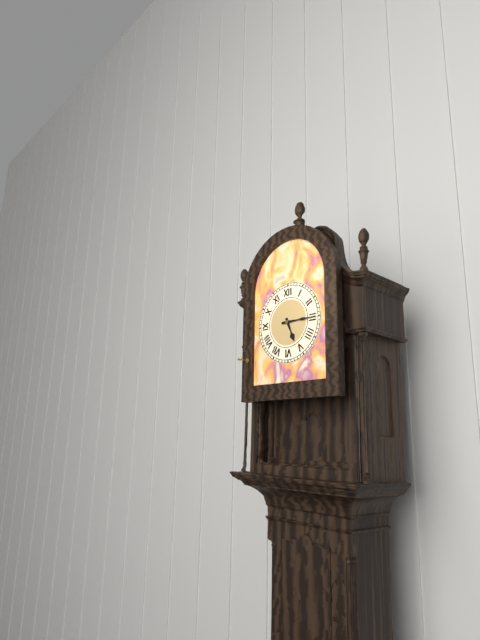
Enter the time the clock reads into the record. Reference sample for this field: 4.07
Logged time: 5.15
